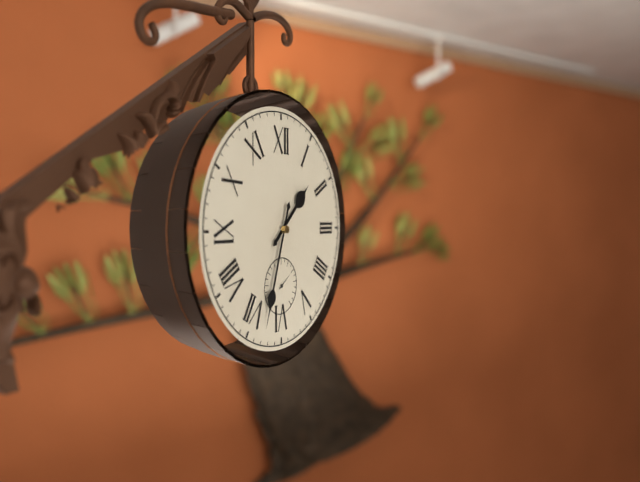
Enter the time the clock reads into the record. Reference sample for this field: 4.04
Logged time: 1.33
